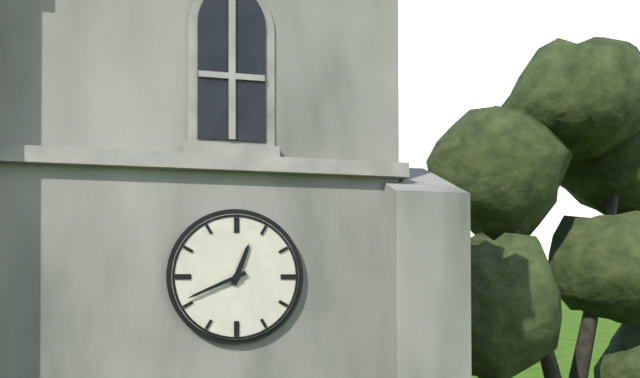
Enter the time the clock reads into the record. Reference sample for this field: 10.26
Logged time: 12.41
